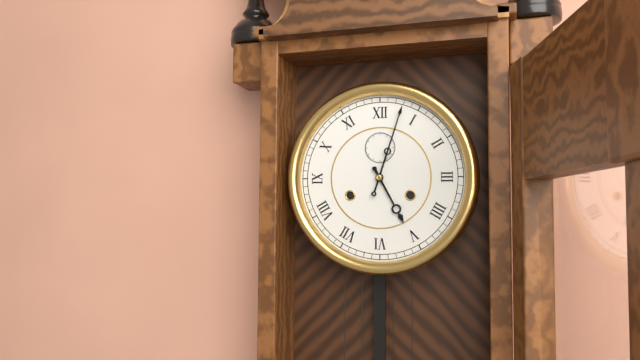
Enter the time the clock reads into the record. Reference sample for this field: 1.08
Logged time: 5.03
